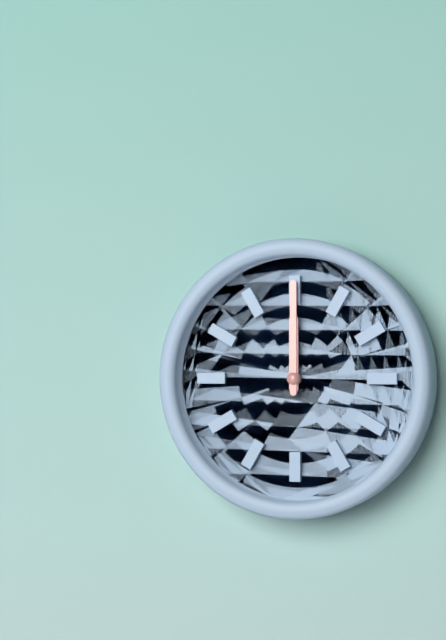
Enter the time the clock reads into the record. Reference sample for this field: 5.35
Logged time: 12.00
